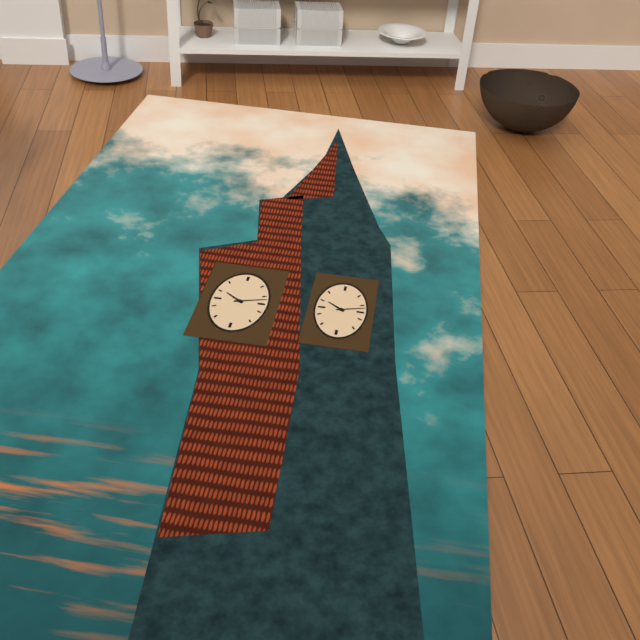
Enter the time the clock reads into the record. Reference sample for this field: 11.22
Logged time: 10.12
